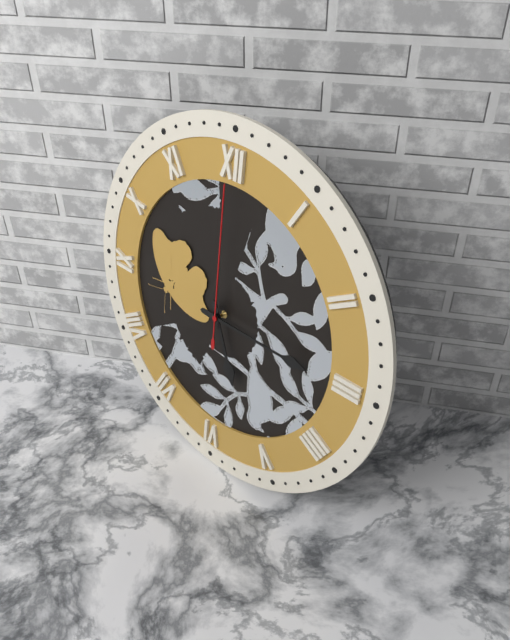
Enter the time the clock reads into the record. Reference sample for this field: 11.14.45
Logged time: 5.15.00
